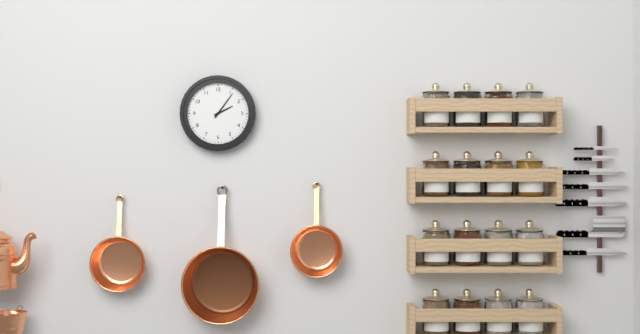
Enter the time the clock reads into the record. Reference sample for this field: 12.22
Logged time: 2.06
